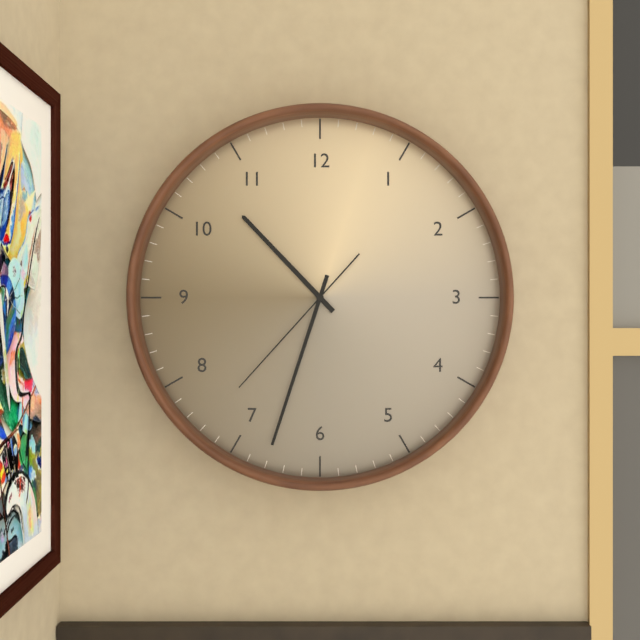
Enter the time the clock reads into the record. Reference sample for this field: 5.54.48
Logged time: 10.33.37
